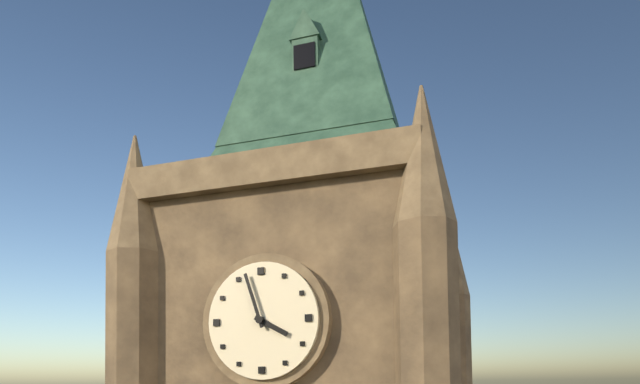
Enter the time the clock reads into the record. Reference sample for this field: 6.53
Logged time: 3.57
